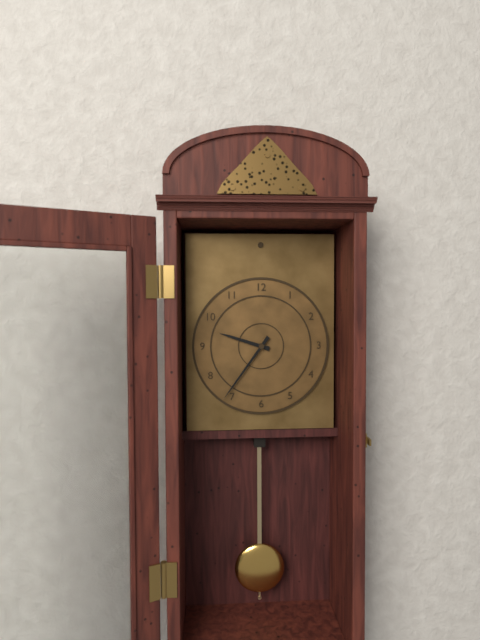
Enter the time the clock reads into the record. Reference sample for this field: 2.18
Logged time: 9.36
